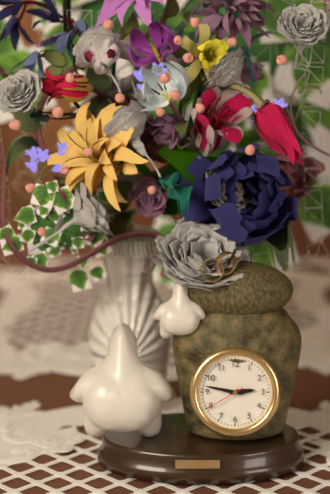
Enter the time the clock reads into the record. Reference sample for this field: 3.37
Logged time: 2.47
